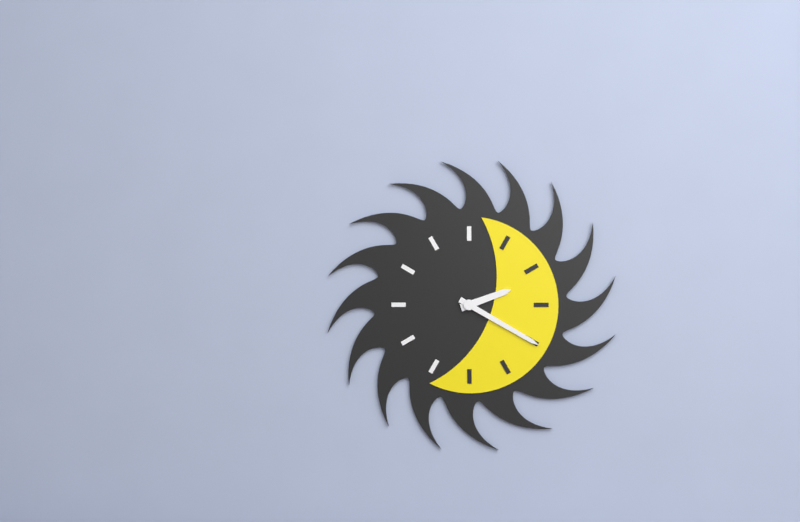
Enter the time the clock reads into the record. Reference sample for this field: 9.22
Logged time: 2.20
